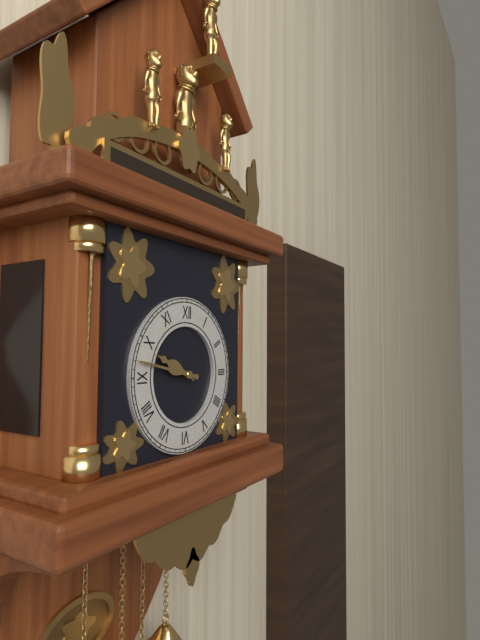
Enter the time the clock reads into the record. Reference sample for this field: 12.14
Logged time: 9.47
